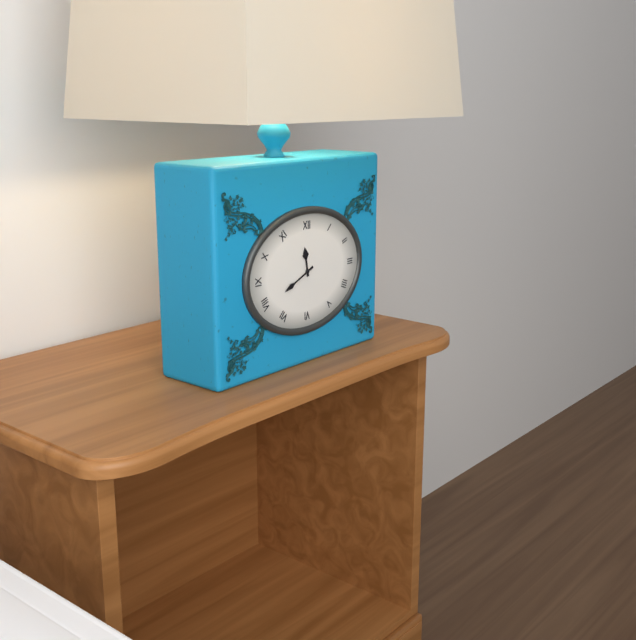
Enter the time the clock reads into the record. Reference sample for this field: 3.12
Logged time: 11.41
